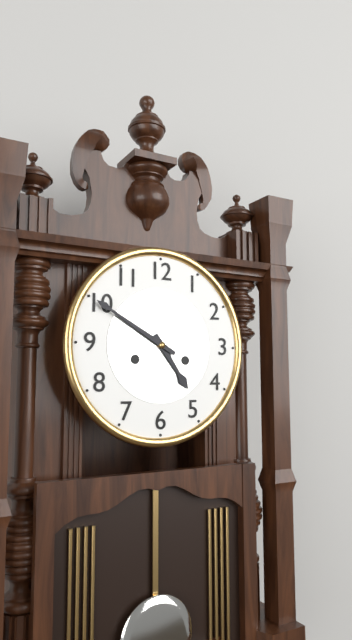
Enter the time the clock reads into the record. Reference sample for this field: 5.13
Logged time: 4.50
